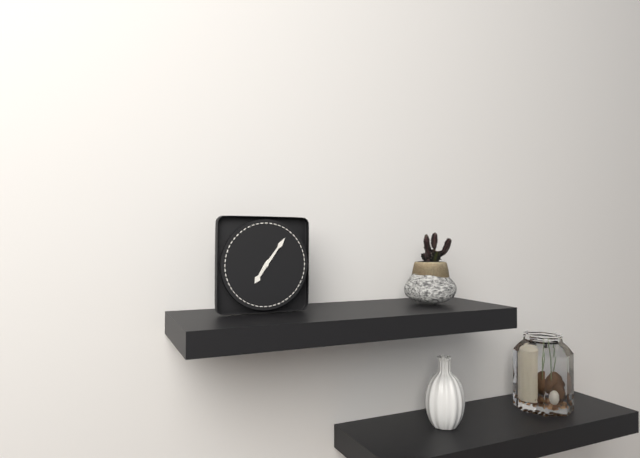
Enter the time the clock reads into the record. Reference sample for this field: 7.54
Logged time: 7.06
